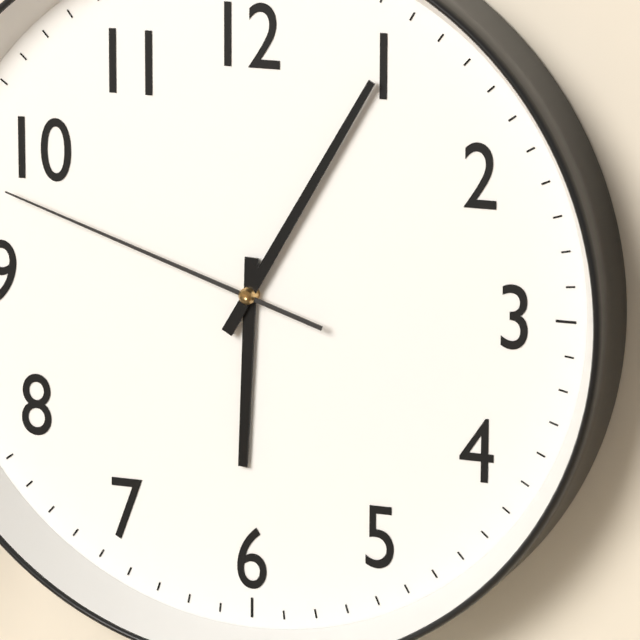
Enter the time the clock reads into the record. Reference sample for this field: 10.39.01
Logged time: 6.05.48
